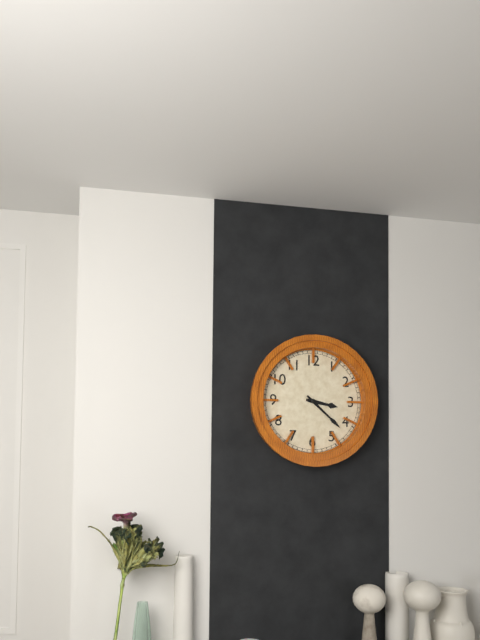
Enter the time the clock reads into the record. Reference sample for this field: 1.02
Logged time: 3.22
